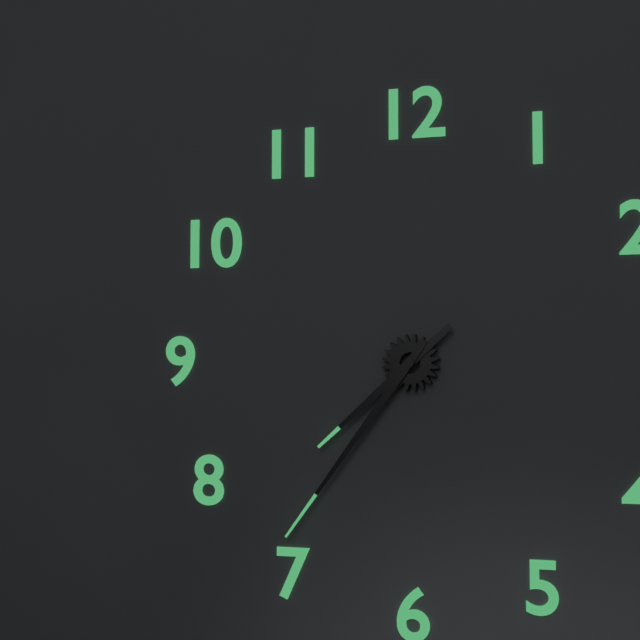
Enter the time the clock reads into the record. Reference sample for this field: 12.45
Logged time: 7.36
